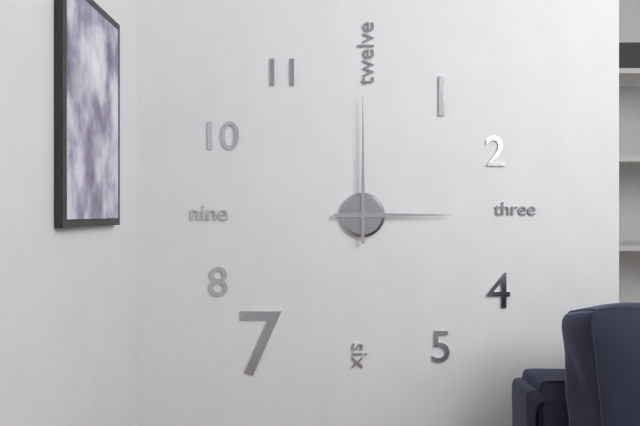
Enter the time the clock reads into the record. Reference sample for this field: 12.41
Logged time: 3.00
